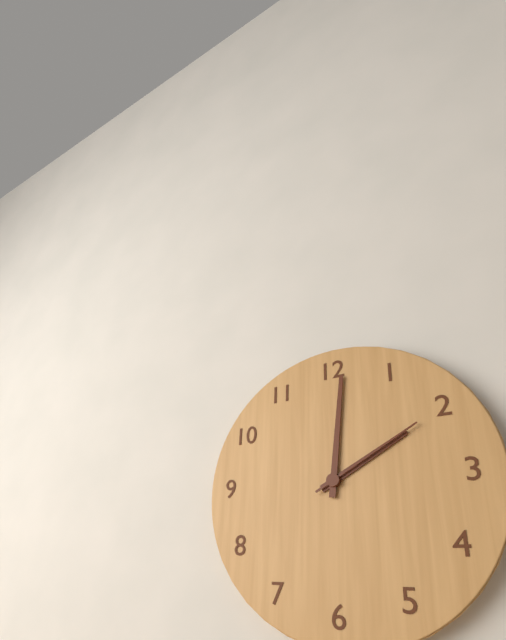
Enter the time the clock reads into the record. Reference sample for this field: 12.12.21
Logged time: 2.01.10
